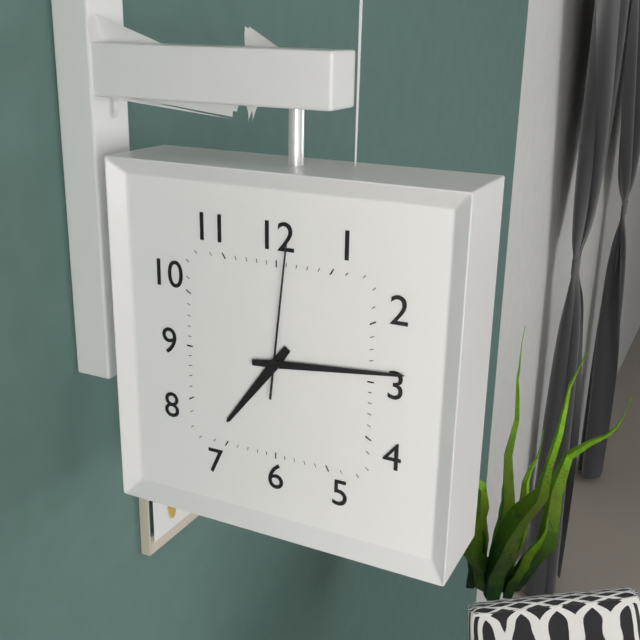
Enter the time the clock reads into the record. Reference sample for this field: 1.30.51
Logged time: 7.14.01
